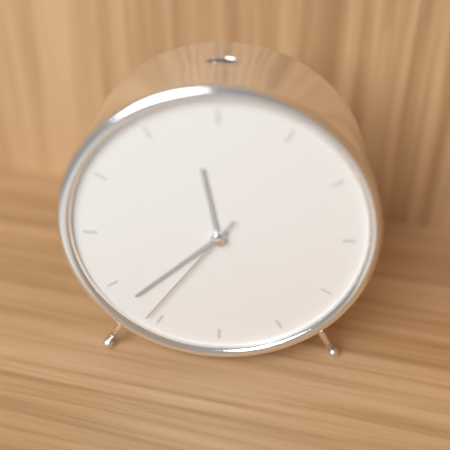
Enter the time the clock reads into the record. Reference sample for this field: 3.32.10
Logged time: 11.38.36
